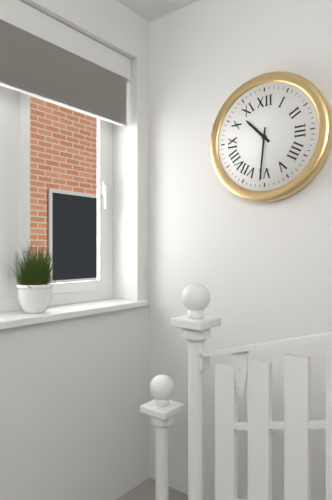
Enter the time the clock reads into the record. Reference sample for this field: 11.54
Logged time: 10.31
